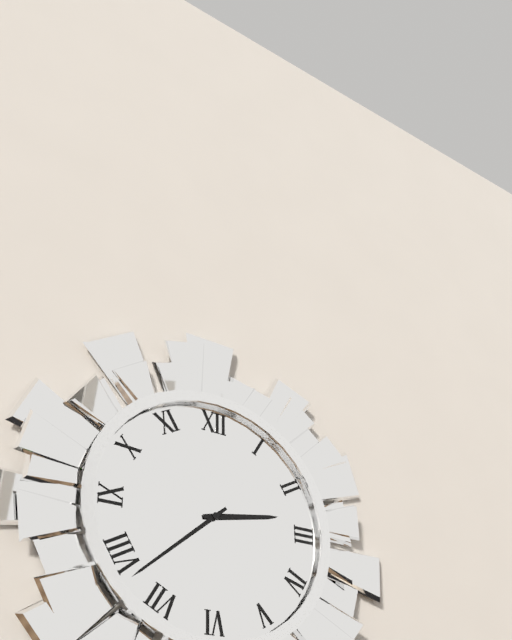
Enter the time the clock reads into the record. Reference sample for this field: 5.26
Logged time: 2.38
